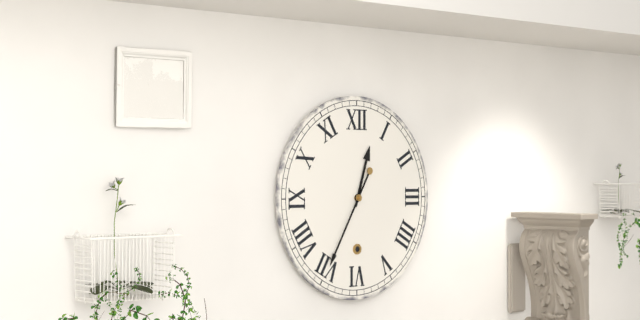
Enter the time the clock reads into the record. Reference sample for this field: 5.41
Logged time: 12.35
